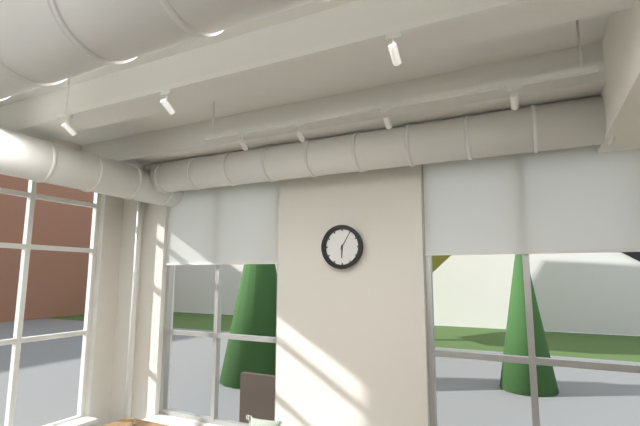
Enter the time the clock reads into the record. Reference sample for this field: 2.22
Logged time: 6.05
